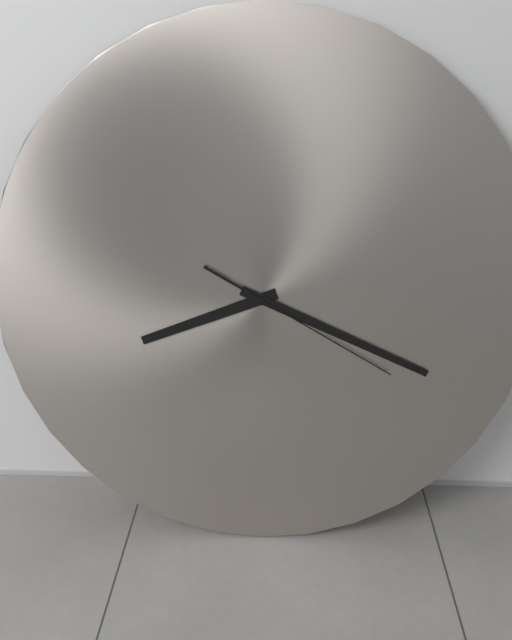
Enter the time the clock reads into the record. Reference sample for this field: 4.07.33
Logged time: 8.19.20
